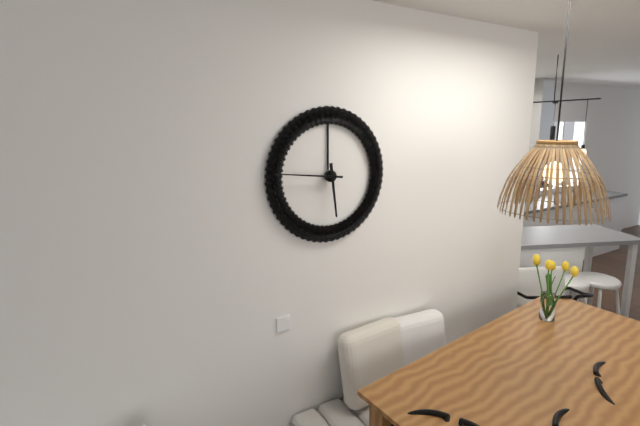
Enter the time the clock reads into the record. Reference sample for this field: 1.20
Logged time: 5.46
